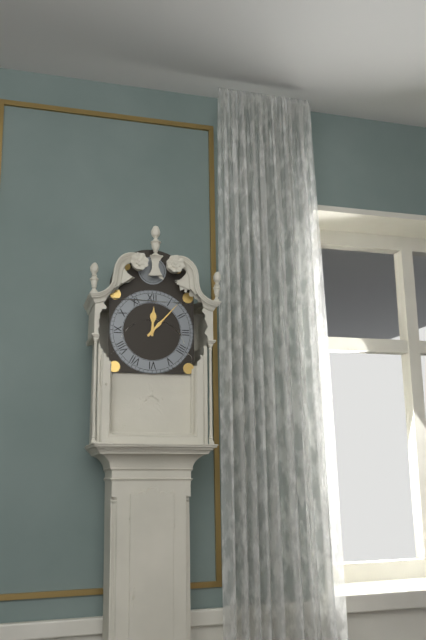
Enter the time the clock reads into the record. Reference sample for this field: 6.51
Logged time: 12.07
